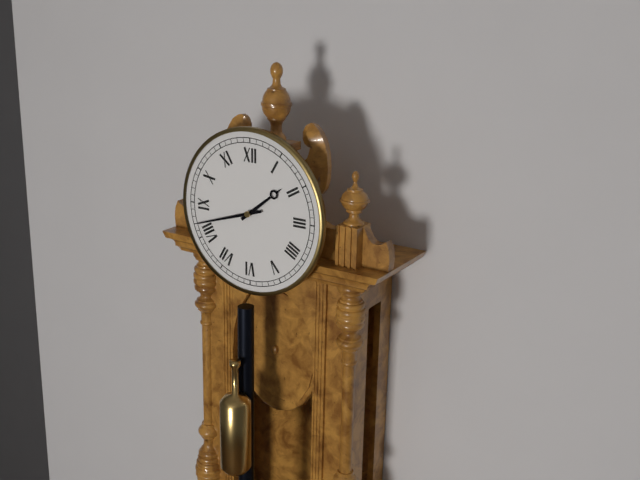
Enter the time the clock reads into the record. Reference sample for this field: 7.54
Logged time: 1.42
